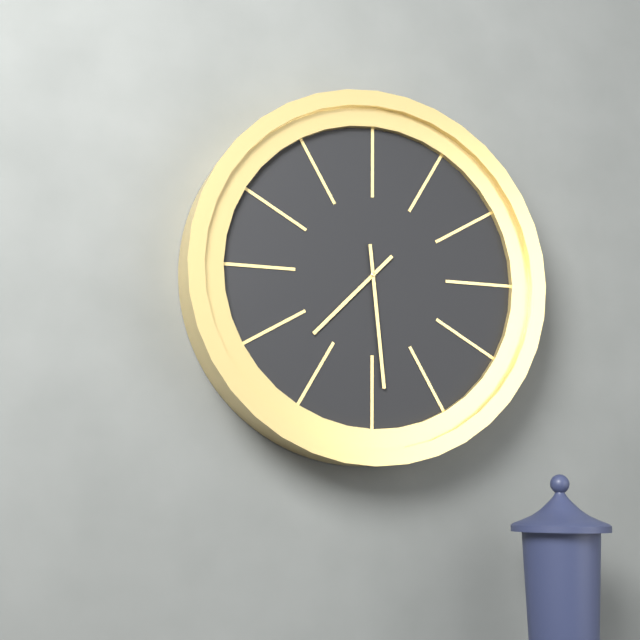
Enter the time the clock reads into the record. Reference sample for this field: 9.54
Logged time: 7.29
